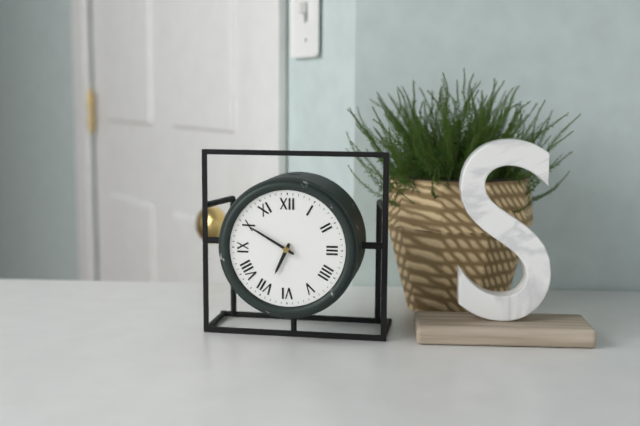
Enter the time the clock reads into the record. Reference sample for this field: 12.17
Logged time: 6.50
